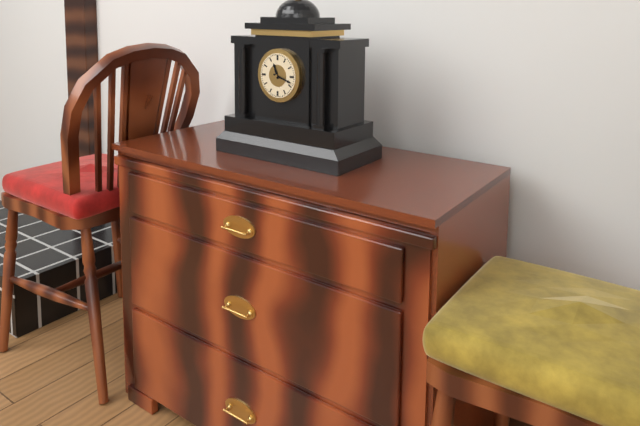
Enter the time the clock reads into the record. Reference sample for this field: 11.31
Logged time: 11.18
